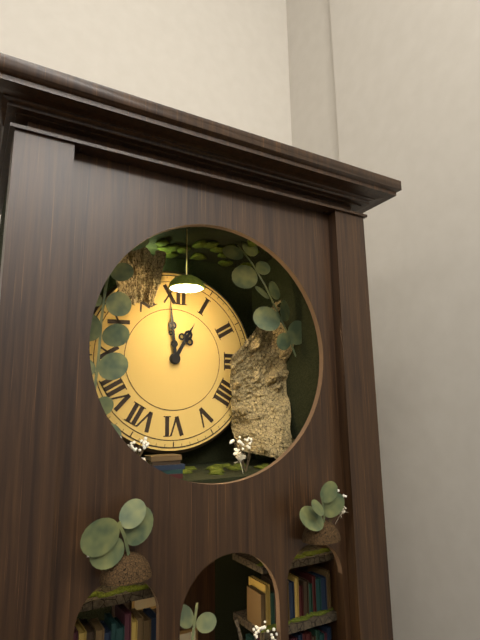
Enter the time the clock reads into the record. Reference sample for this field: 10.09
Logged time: 12.59
